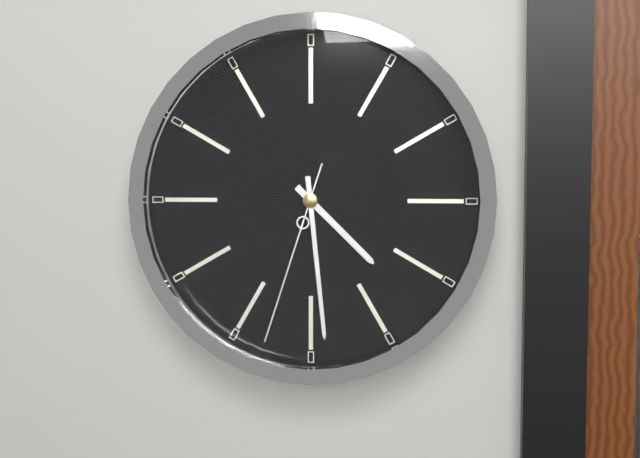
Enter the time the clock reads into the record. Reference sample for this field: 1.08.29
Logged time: 4.29.33
